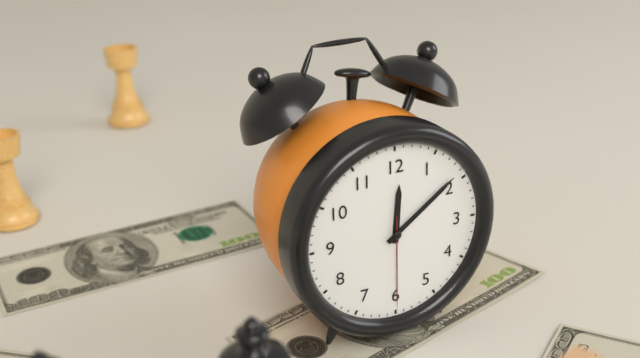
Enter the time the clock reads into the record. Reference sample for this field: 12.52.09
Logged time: 12.09.30
